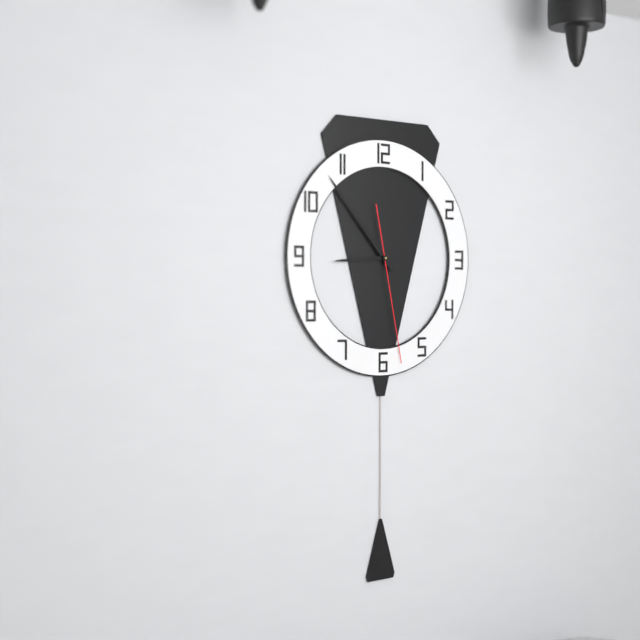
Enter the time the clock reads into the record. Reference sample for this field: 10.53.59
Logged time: 8.53.28
